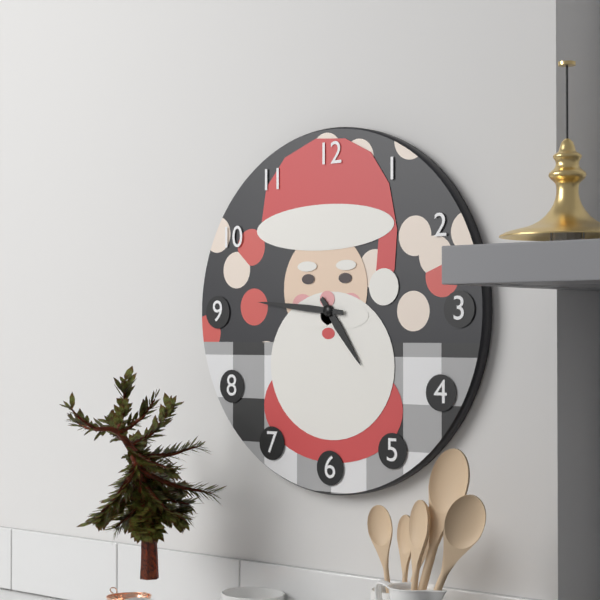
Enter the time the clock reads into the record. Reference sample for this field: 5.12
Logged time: 4.46
